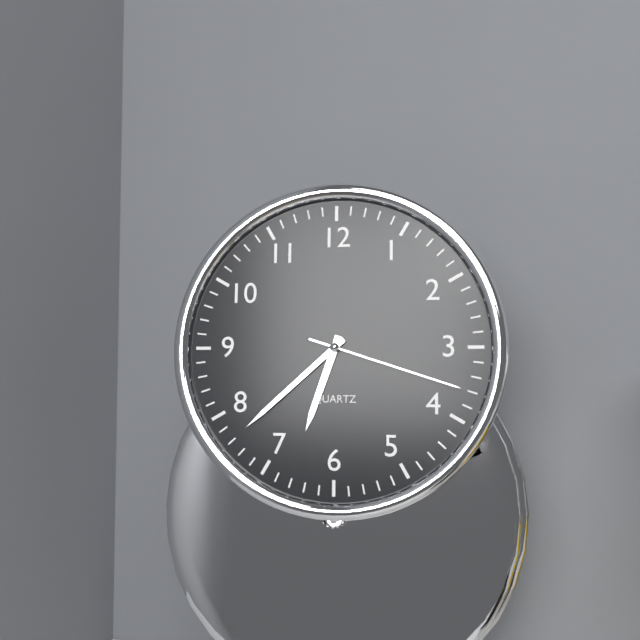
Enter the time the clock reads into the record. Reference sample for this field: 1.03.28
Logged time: 6.38.18
